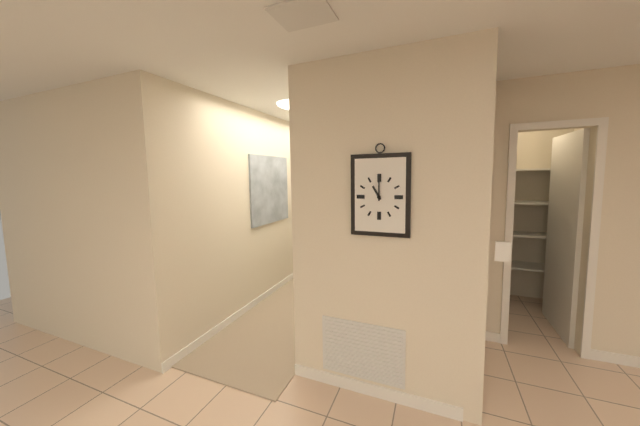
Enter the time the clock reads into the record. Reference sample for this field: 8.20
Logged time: 11.00
